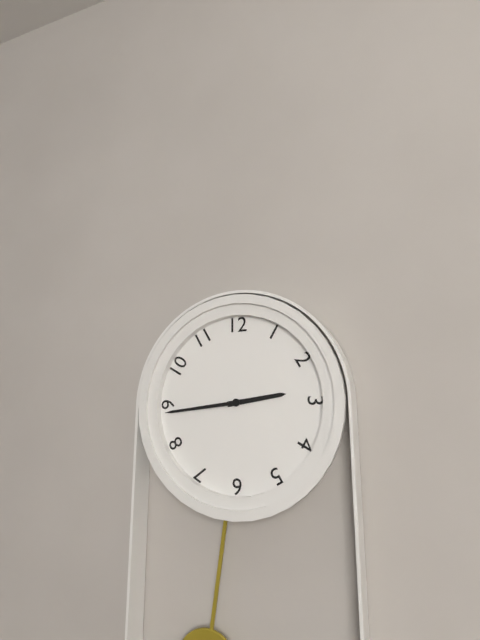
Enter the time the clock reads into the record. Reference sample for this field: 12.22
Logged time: 2.44
